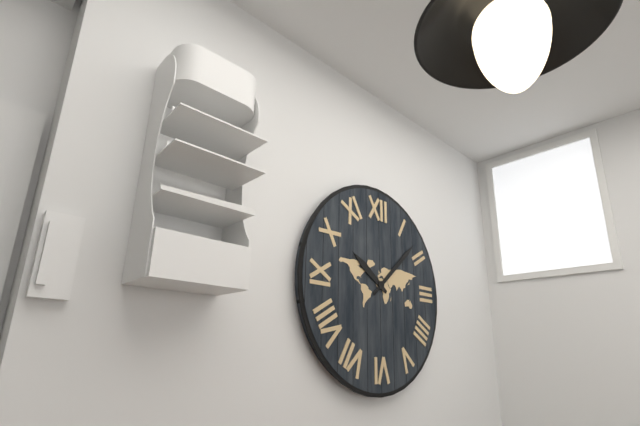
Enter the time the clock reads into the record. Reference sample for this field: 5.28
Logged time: 10.08
